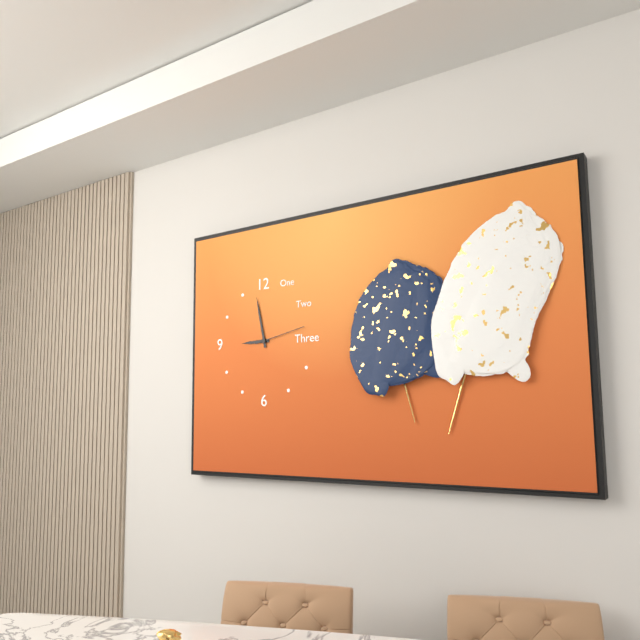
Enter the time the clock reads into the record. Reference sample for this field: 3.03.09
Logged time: 8.58.13
